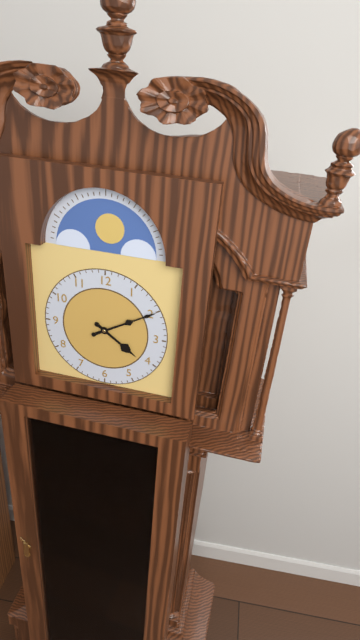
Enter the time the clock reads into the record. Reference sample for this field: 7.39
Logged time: 4.10
